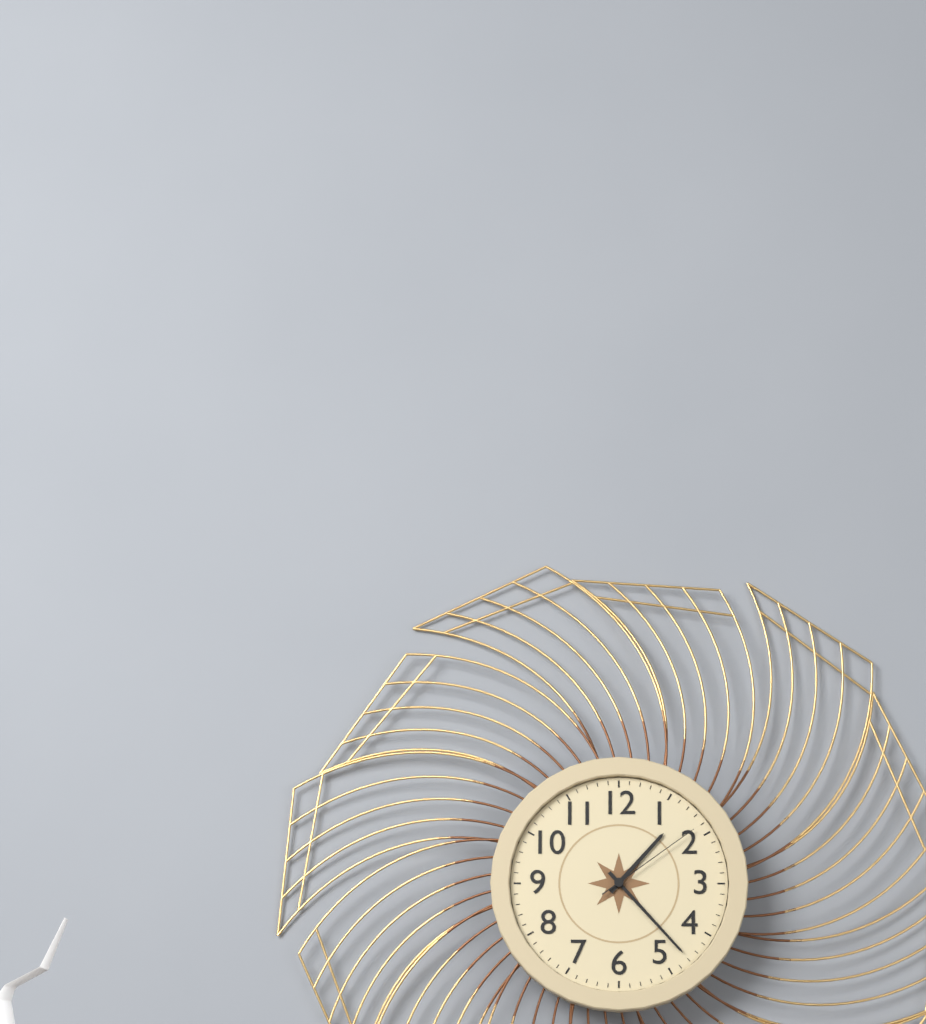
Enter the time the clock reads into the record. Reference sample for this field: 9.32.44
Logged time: 1.23.09
